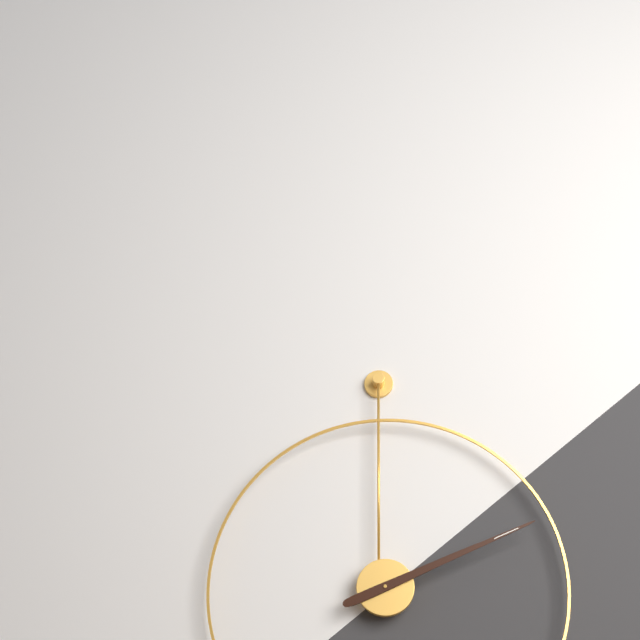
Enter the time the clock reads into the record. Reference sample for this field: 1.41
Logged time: 2.11
